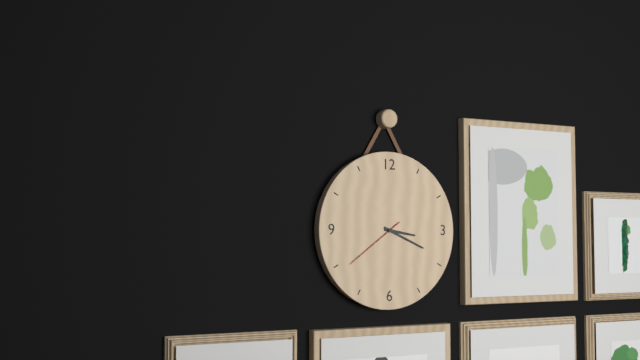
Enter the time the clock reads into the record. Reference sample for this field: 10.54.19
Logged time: 3.19.39
